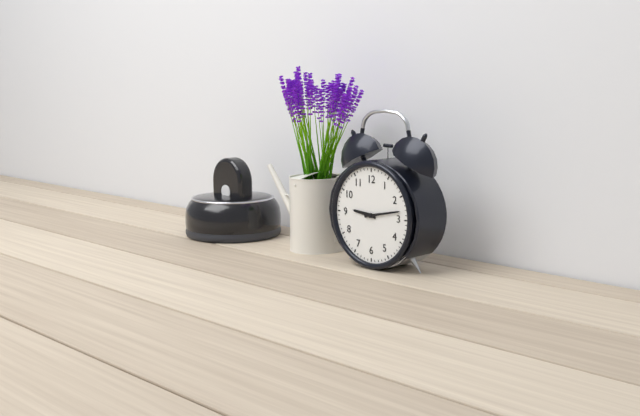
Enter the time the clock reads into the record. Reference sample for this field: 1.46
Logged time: 9.13
